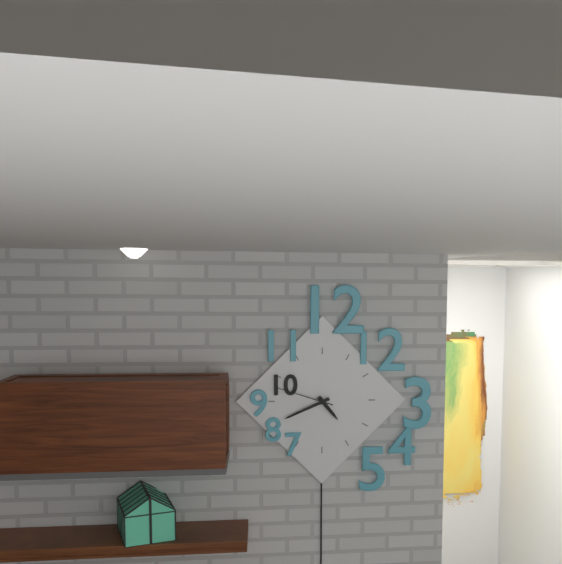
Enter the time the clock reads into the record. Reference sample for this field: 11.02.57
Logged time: 4.41.48
